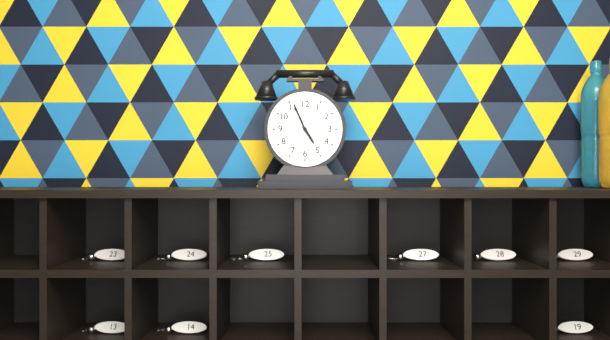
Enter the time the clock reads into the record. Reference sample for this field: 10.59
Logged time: 4.56
